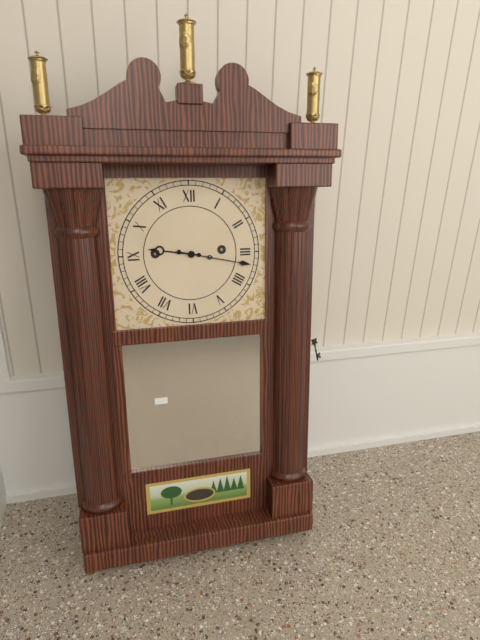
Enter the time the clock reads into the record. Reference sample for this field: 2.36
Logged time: 9.17
